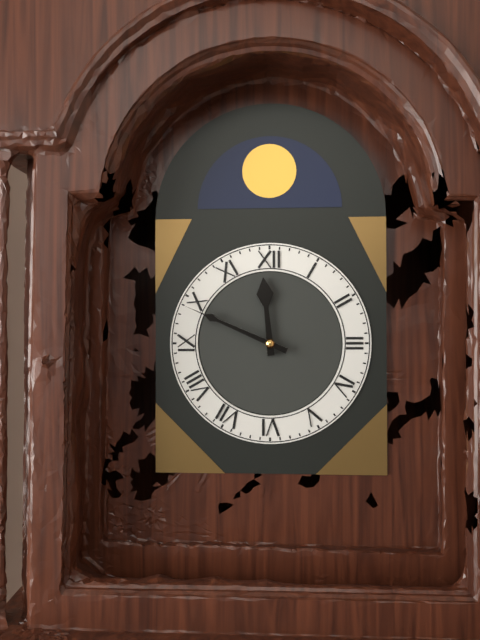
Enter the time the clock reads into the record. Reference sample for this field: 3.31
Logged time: 11.49
